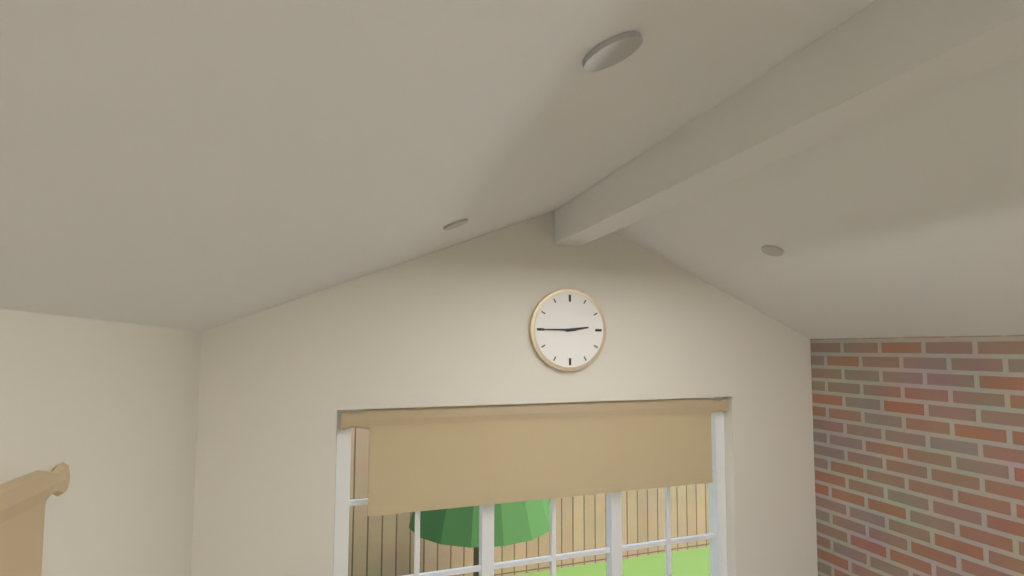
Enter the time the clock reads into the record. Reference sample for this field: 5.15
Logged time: 2.45
